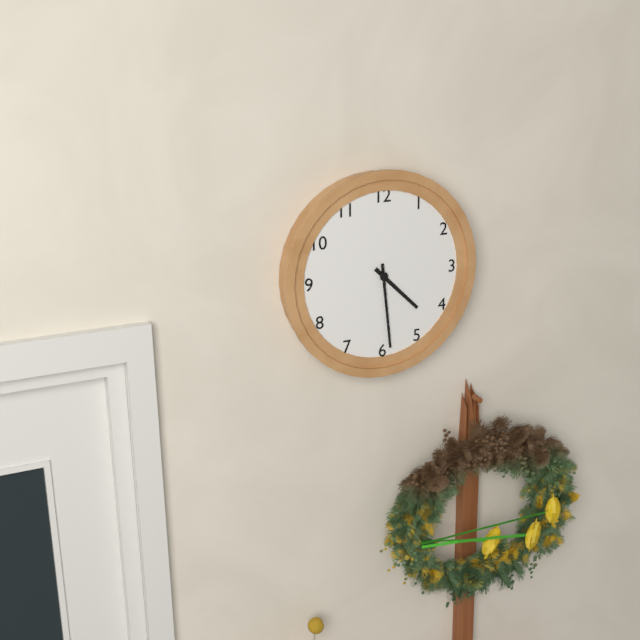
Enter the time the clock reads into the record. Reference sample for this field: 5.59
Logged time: 4.29
